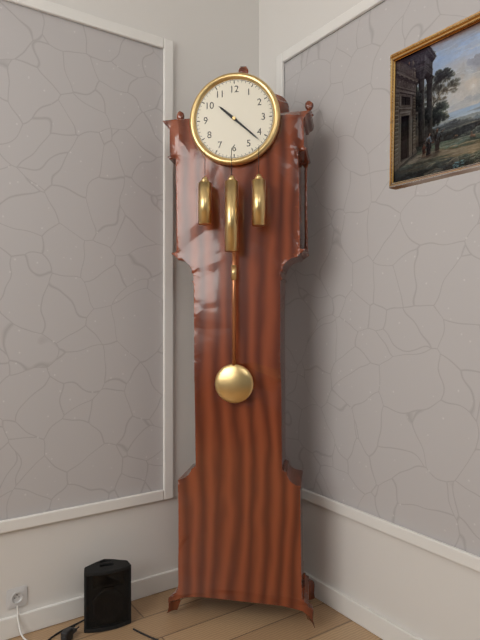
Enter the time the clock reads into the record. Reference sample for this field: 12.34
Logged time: 10.22
